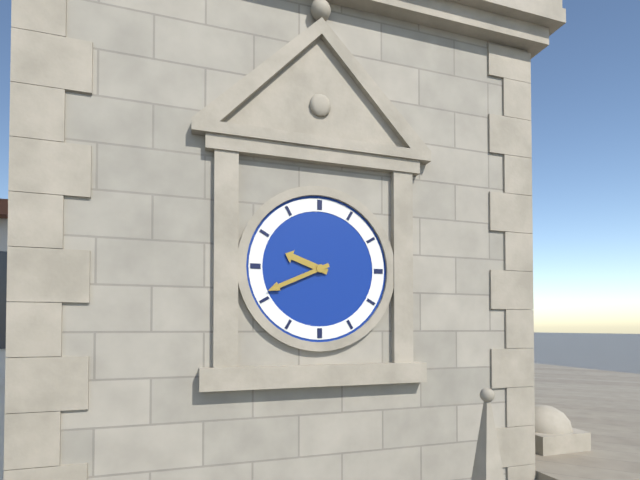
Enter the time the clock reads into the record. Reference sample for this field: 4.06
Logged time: 9.41
